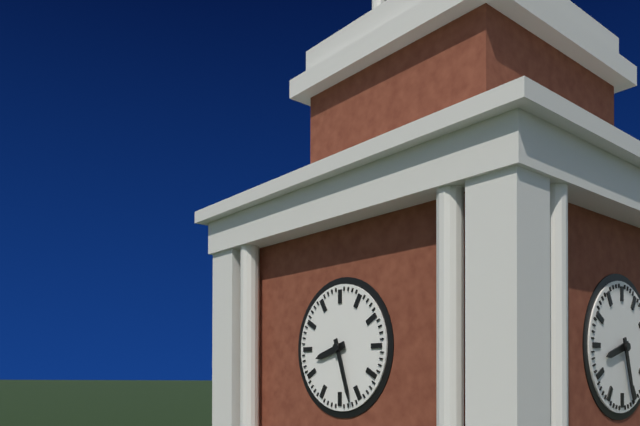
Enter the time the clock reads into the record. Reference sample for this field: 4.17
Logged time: 8.27
